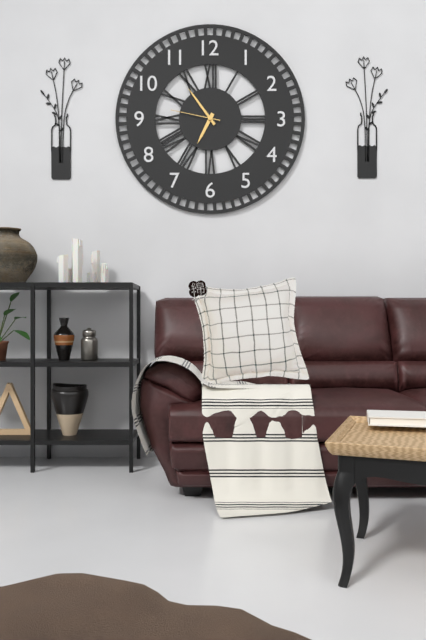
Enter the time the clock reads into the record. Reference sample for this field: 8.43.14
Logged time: 6.54.47
